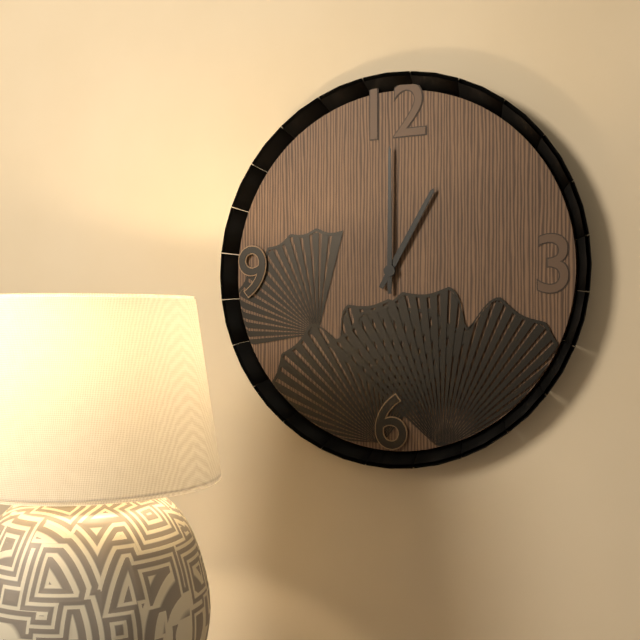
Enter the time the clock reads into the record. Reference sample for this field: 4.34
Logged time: 1.00
